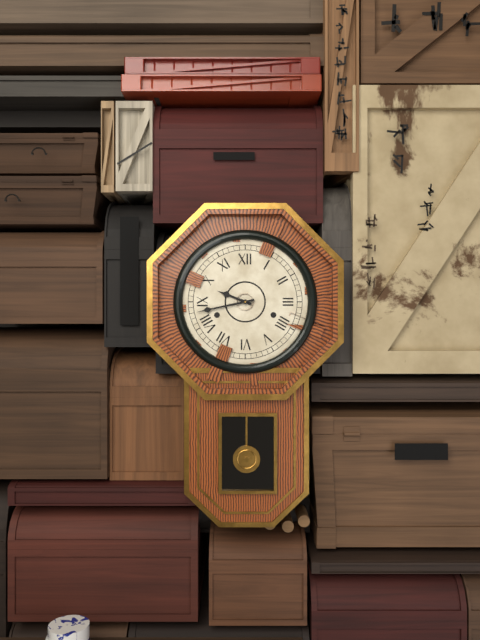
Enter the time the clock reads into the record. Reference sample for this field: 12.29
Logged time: 9.43
